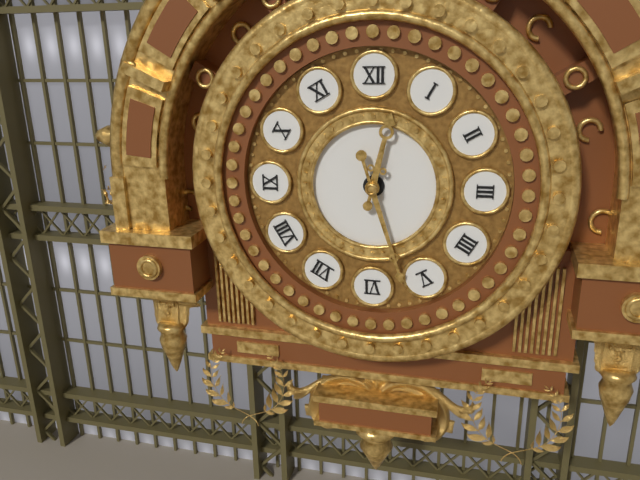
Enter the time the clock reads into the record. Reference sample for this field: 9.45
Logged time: 12.27
